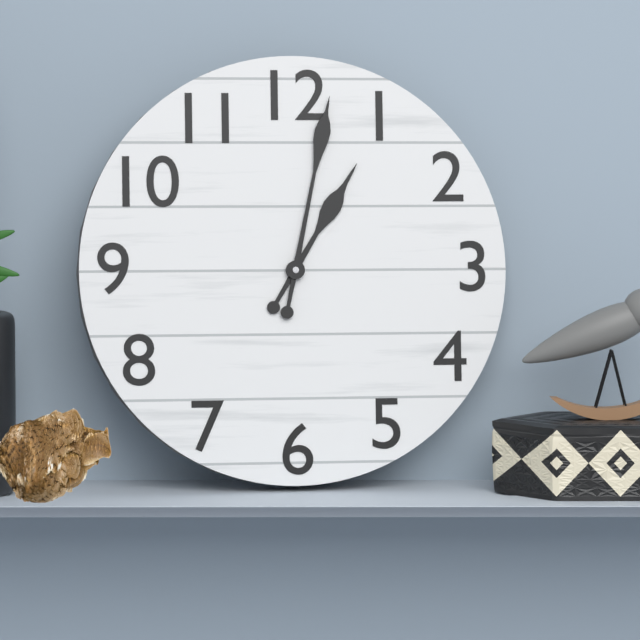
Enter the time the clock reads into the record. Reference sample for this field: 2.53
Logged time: 1.02
